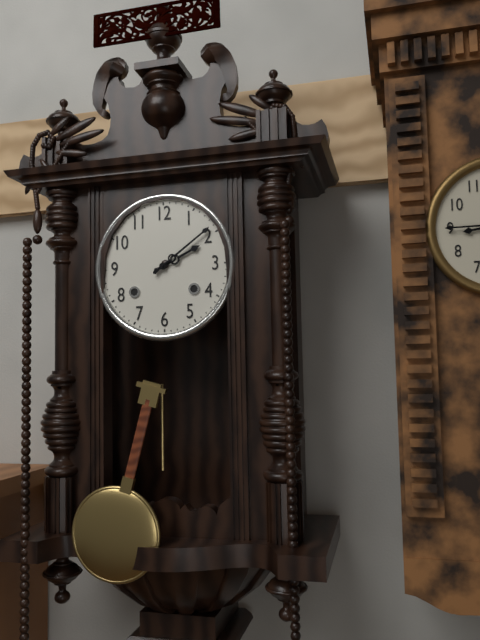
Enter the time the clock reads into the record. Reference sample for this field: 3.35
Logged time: 2.09
